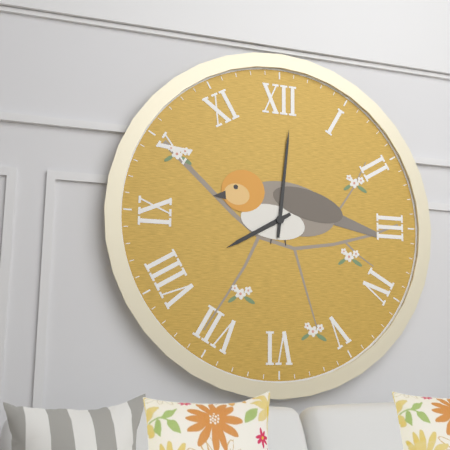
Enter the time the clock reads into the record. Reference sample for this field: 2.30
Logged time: 8.01
